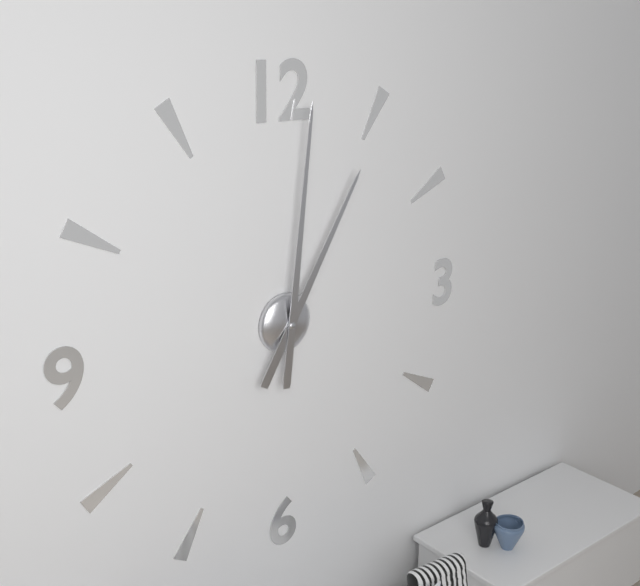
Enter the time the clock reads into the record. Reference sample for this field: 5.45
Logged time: 1.01
